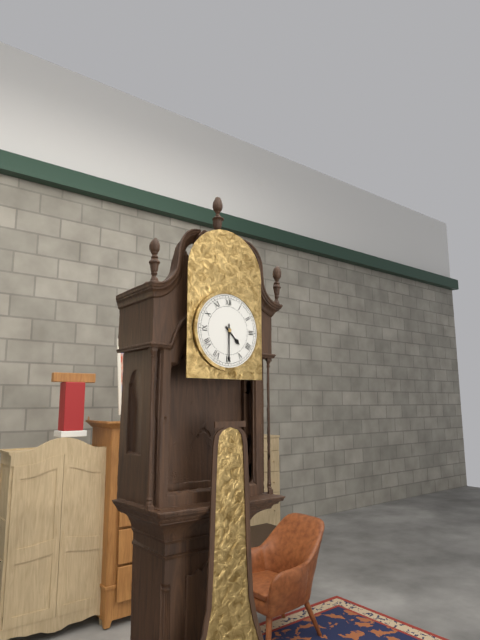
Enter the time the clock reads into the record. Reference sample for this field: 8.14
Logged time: 4.30
